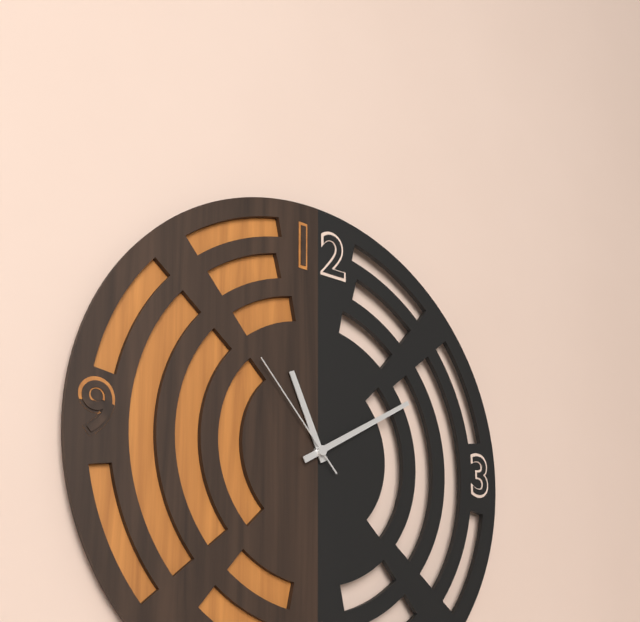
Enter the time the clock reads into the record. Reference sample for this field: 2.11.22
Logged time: 11.10.53
